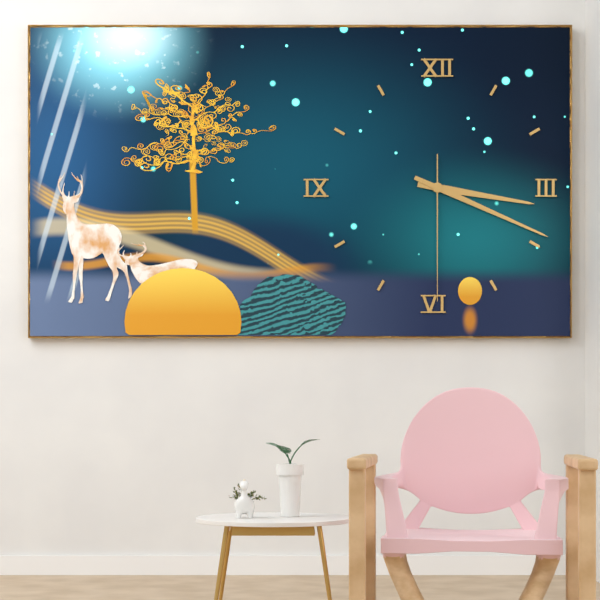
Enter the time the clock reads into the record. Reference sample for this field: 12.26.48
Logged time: 3.19.30
